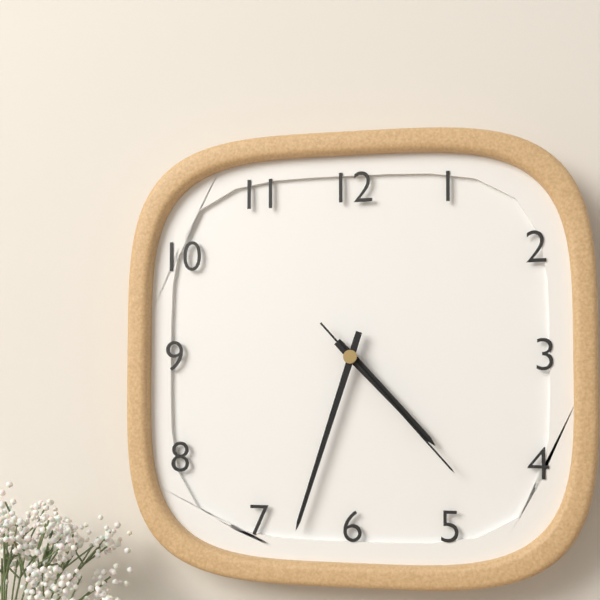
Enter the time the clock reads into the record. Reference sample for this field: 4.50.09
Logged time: 4.33.23
